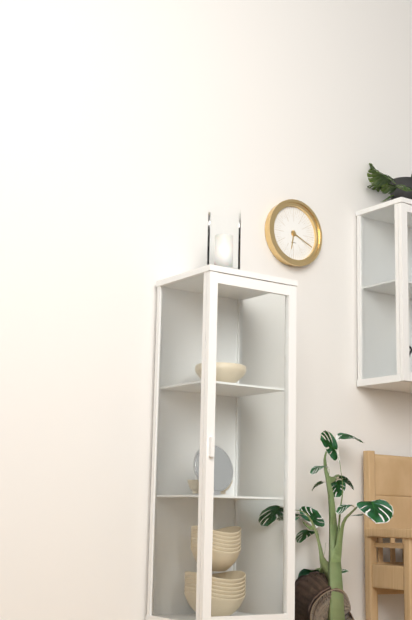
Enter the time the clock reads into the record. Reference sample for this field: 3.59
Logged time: 6.19
